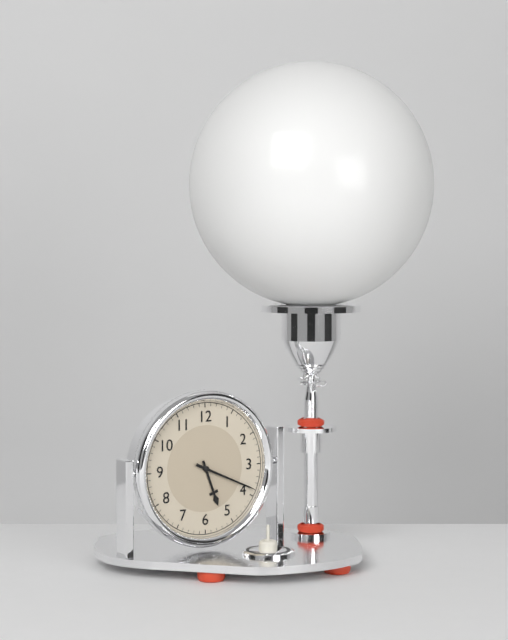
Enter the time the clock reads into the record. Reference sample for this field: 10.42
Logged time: 5.19
